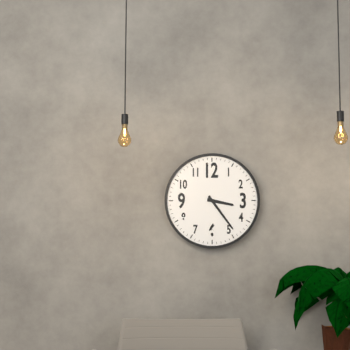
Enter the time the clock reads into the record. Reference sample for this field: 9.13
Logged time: 3.24
